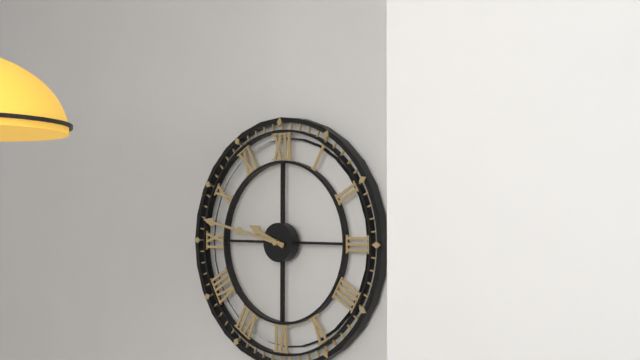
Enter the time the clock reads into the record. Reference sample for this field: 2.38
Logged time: 9.47
